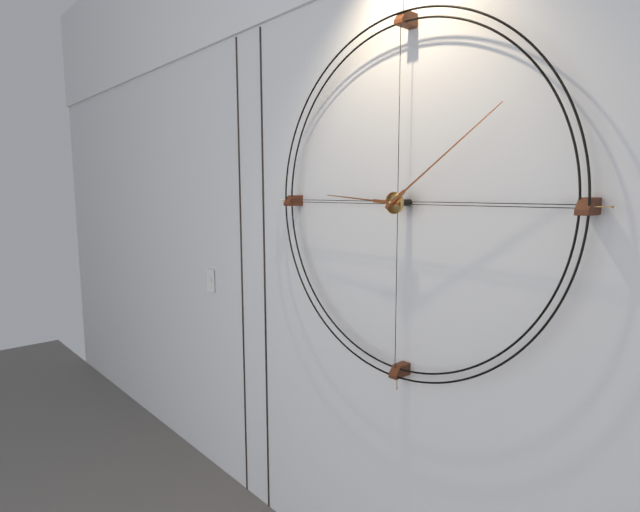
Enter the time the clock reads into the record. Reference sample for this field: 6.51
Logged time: 9.09
